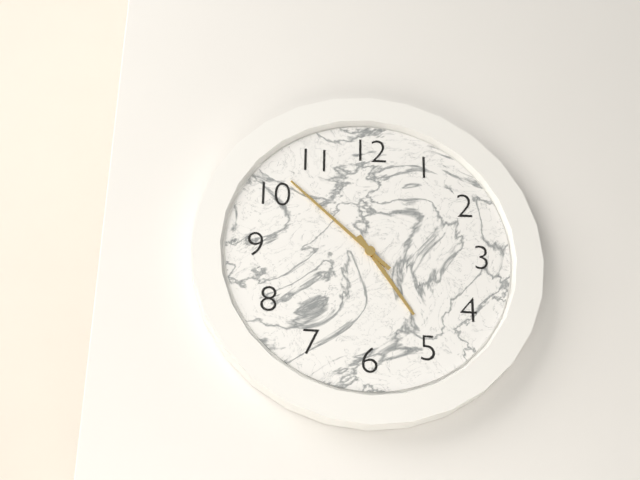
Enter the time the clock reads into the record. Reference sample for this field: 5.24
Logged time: 4.52
